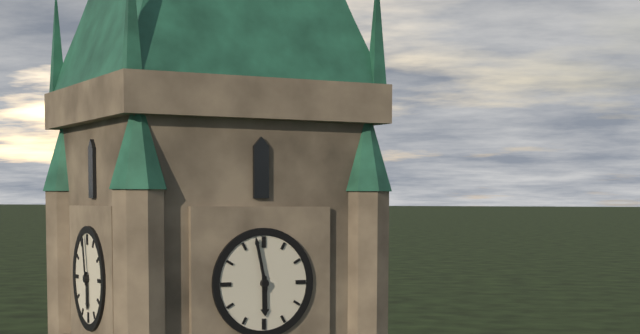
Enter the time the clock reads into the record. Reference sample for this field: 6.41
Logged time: 5.58
